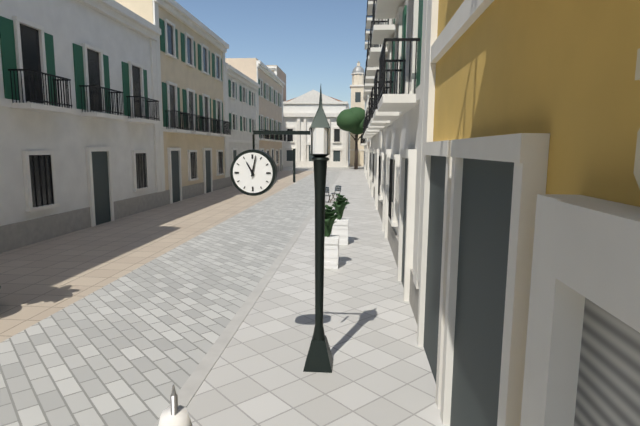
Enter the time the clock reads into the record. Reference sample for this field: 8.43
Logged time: 11.02
